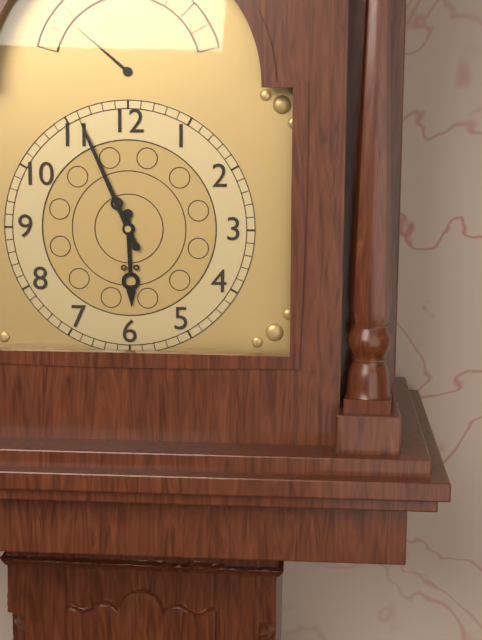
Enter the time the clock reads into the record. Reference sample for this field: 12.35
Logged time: 5.56
